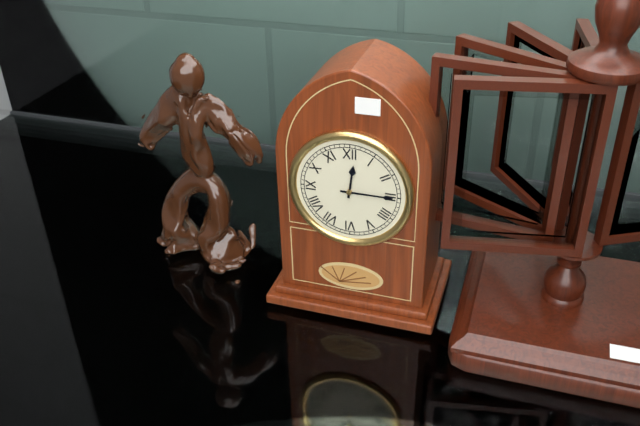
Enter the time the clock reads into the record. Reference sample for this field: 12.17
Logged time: 12.15
